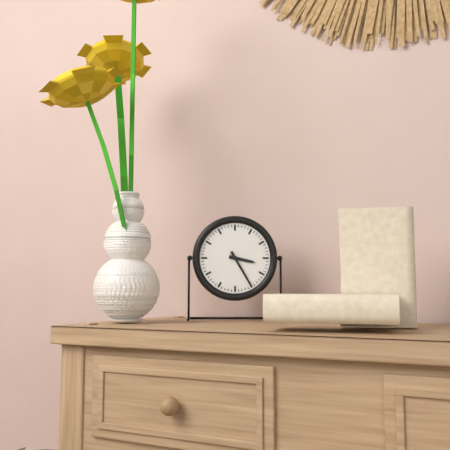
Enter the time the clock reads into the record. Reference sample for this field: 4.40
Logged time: 3.25
